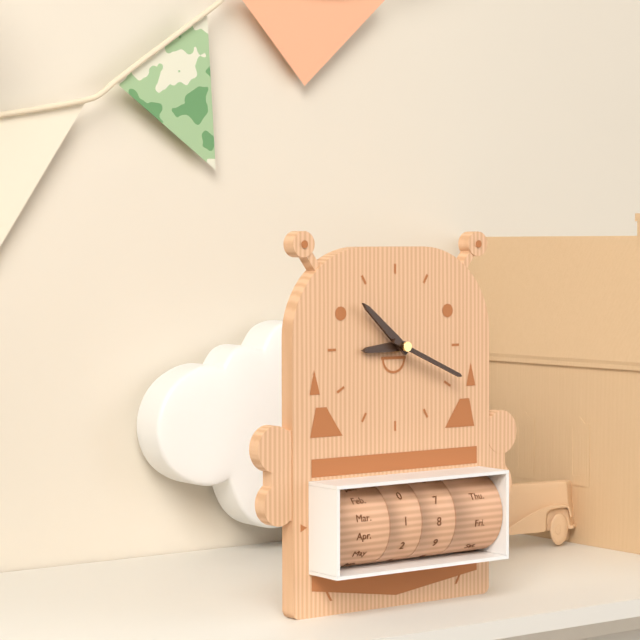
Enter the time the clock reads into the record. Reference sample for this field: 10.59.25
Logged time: 8.52.19
